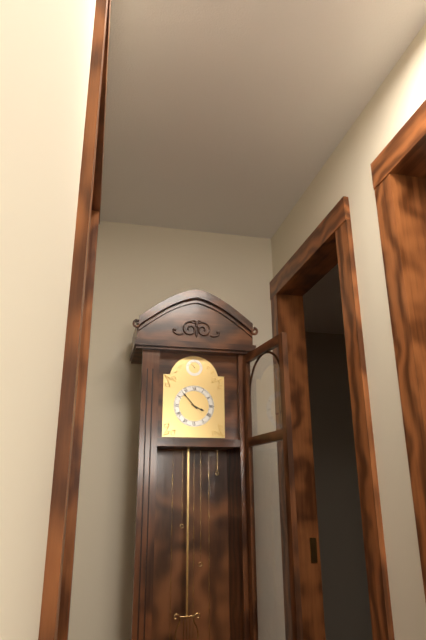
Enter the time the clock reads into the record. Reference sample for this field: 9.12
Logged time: 3.53
